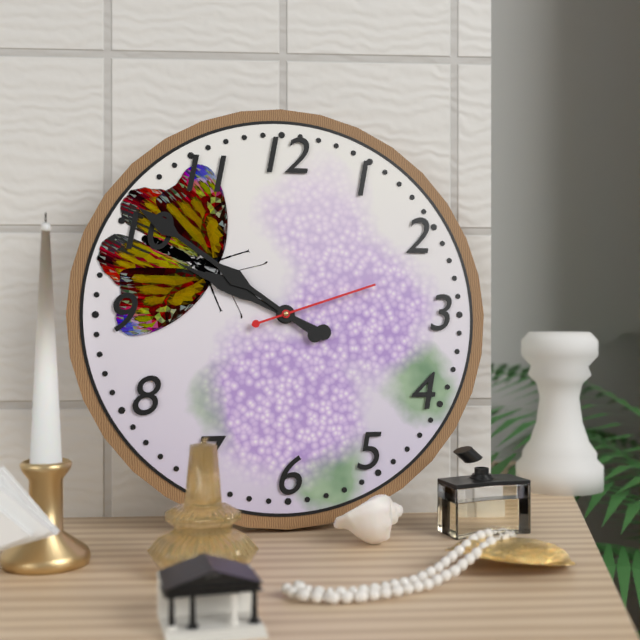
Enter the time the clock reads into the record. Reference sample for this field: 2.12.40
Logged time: 9.51.12
